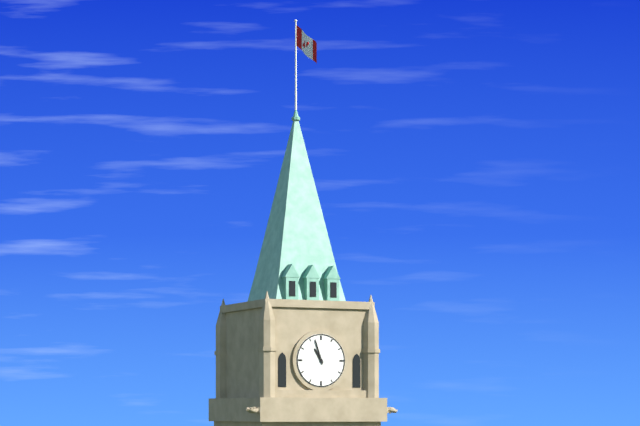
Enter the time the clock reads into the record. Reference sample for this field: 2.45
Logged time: 10.57
